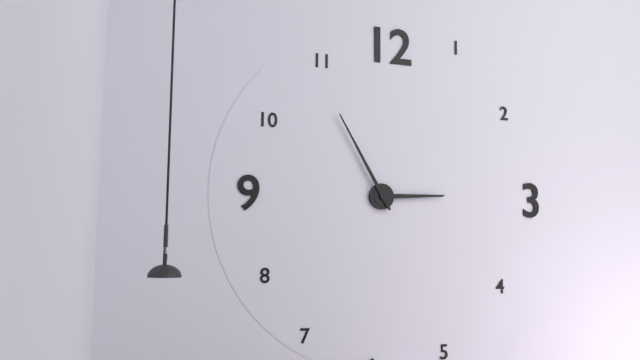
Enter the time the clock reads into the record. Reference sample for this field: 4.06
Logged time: 2.55
